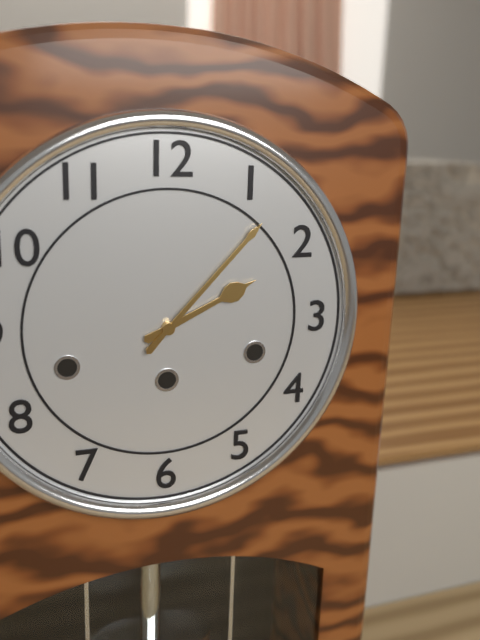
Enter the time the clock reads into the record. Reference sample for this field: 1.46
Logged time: 2.07
